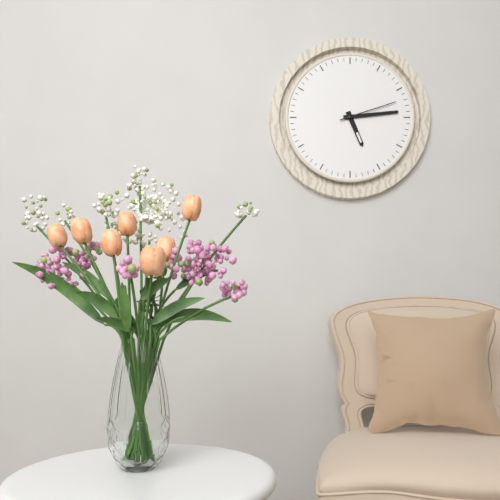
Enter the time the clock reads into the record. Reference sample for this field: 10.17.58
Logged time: 5.14.12
